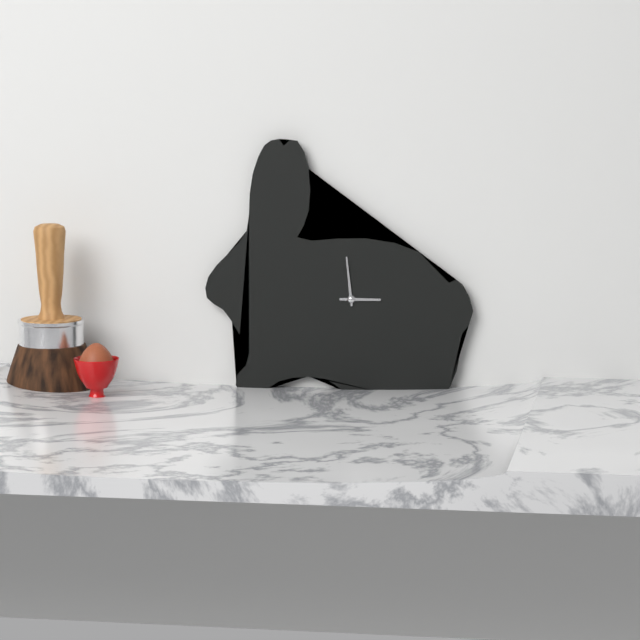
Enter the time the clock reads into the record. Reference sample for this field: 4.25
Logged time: 2.59
